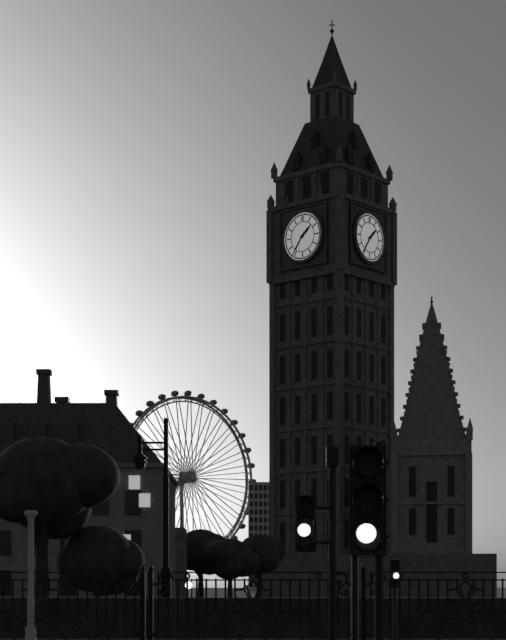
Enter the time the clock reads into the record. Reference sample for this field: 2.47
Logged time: 1.36
